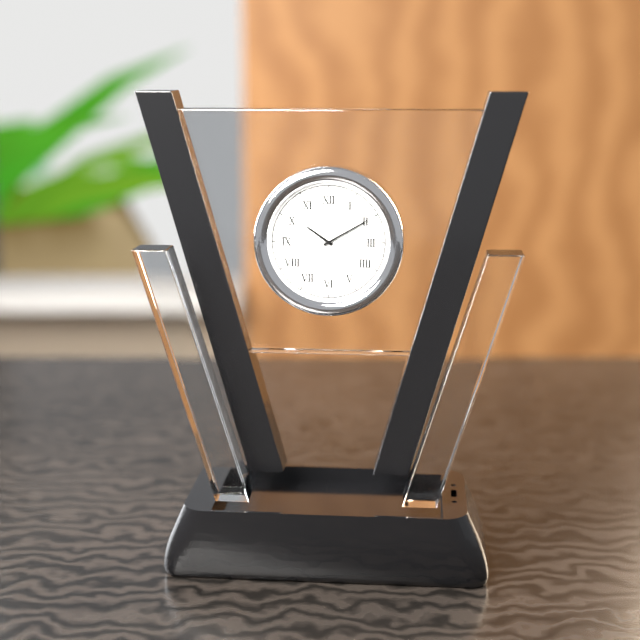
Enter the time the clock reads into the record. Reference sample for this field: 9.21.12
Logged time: 10.10.46
